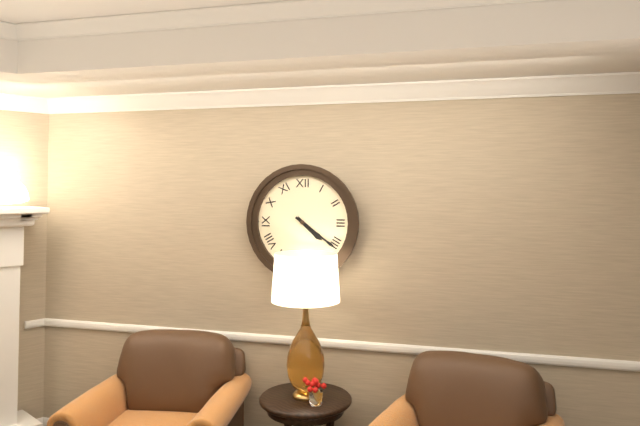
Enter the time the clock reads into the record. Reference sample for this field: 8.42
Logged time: 4.21
